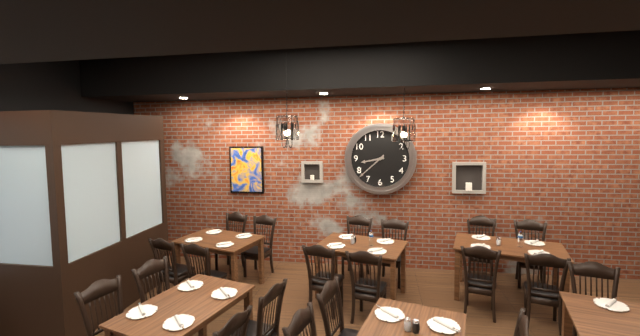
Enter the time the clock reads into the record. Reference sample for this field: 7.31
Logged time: 8.38
